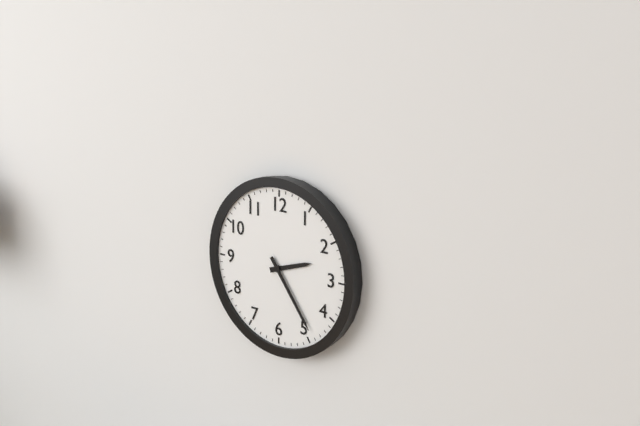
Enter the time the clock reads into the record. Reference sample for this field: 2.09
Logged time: 2.24
